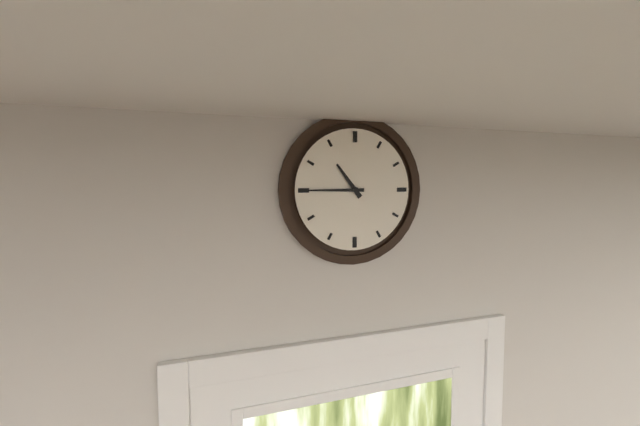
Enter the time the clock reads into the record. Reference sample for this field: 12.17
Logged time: 10.45
